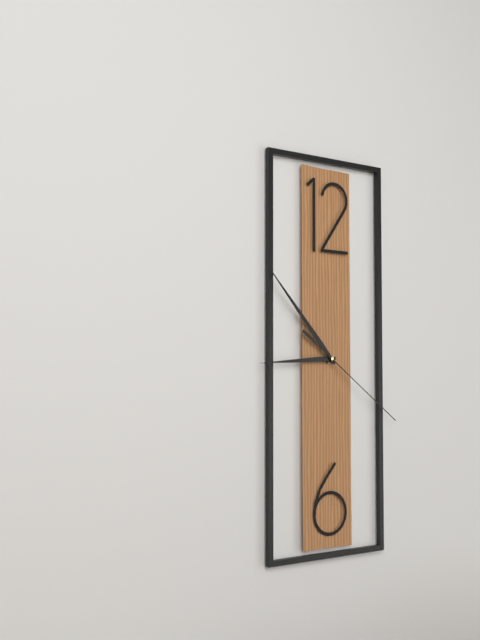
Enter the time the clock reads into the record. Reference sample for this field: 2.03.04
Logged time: 8.53.21
